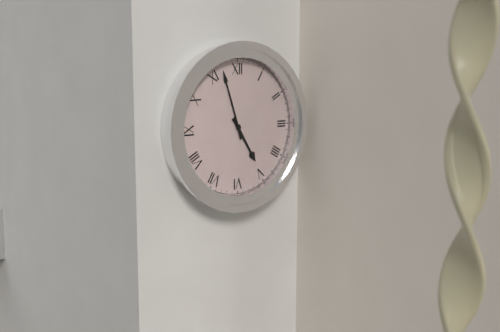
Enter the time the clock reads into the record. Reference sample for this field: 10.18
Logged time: 4.57
